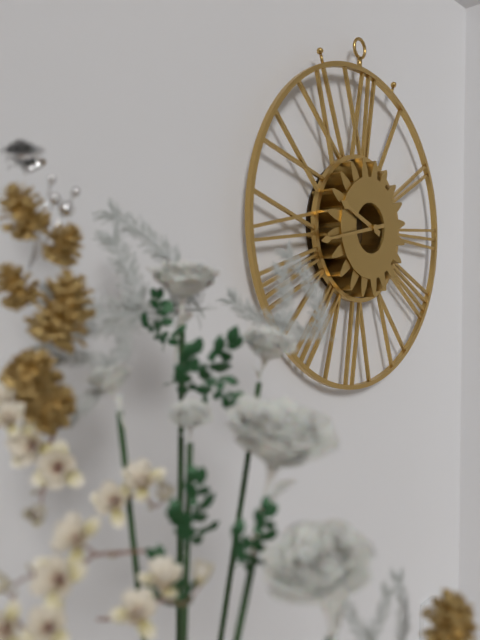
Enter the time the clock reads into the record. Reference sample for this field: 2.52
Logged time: 9.43
